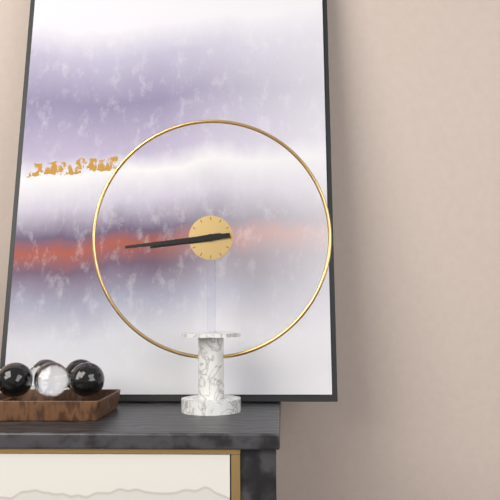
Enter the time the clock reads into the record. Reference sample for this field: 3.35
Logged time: 8.44
